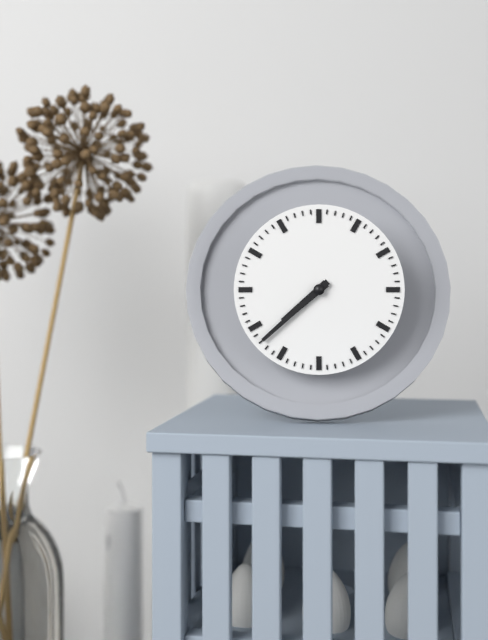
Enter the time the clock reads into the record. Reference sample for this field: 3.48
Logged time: 7.38
